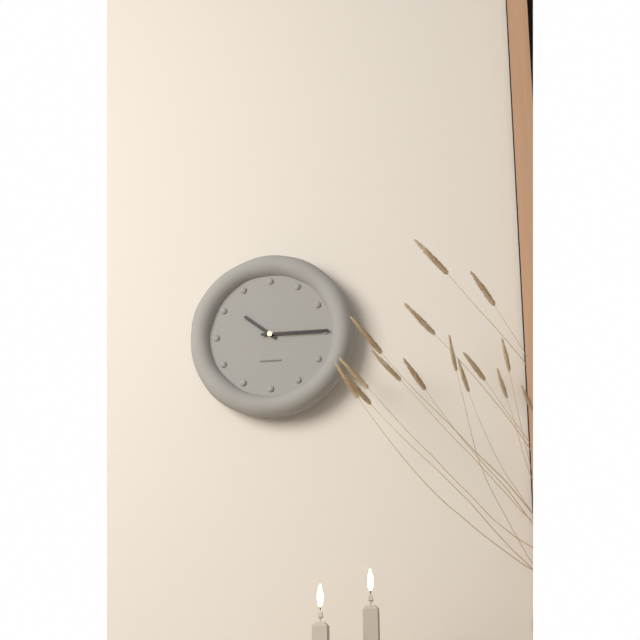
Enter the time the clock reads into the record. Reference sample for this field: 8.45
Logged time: 10.15
